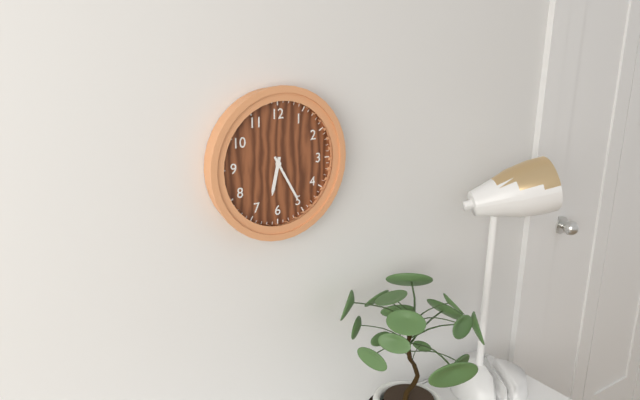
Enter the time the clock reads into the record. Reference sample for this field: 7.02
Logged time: 6.25
